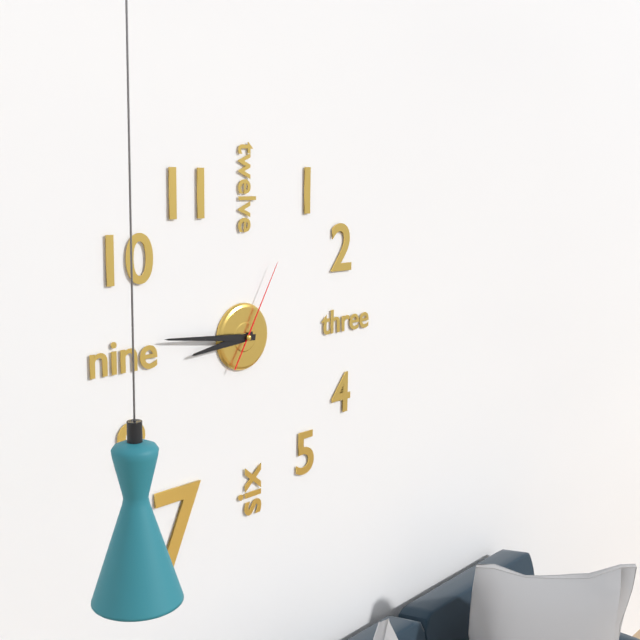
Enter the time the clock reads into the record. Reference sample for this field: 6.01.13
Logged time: 8.46.05
